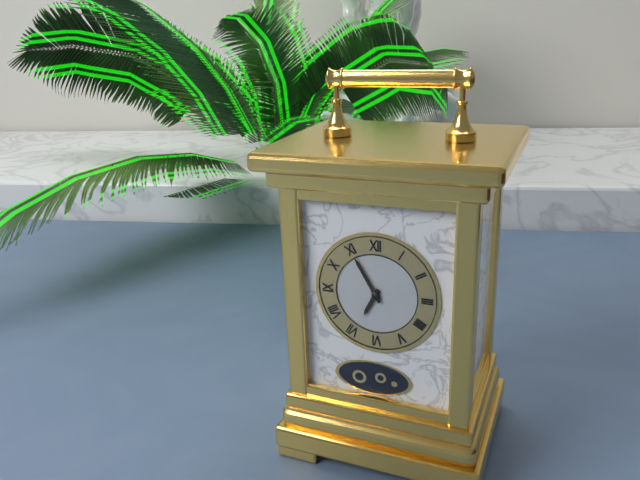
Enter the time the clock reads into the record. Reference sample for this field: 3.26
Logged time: 6.55
